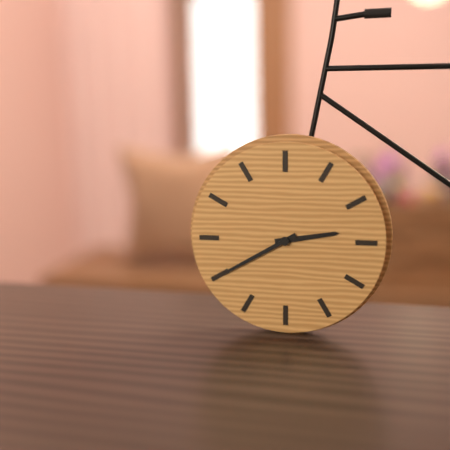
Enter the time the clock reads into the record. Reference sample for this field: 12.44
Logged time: 2.40
